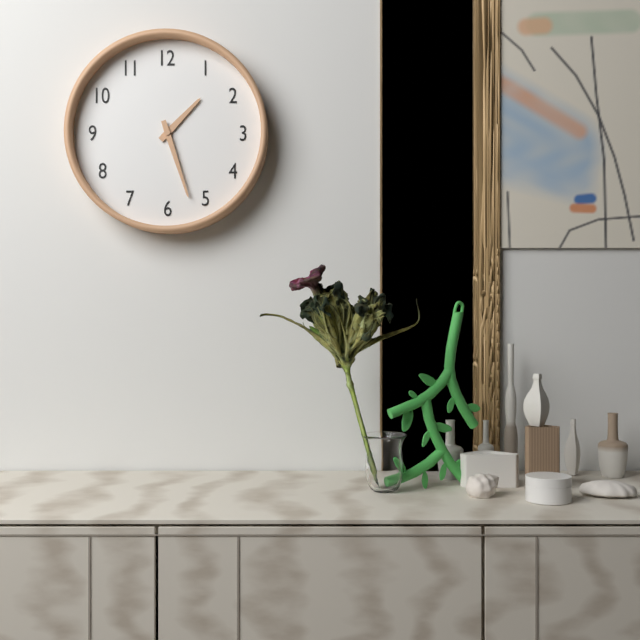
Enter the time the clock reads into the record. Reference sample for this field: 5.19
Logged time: 1.27
